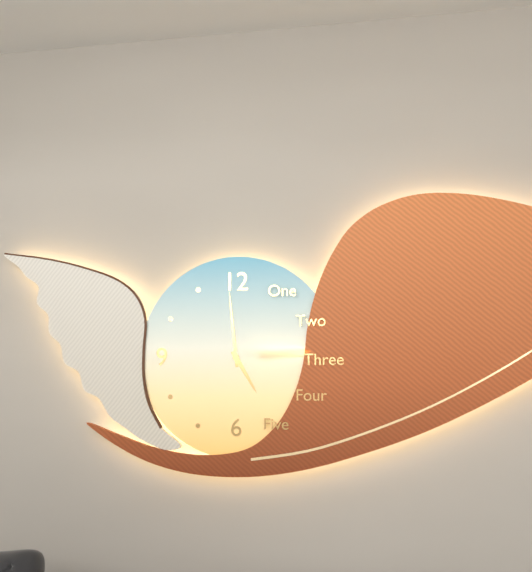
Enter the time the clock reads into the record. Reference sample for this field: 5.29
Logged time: 4.59
